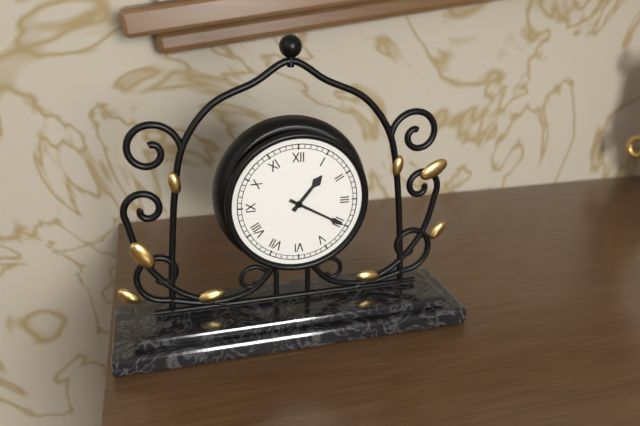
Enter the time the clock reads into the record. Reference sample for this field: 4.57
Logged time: 1.20
